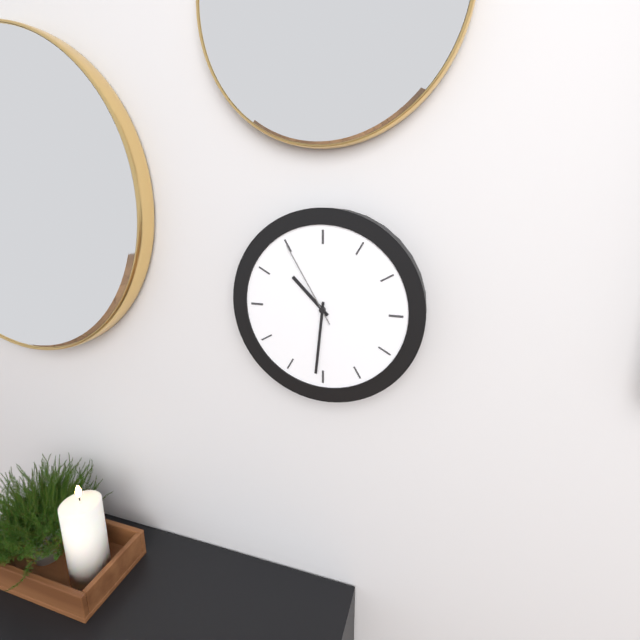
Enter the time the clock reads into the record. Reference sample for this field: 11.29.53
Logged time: 10.31.55
